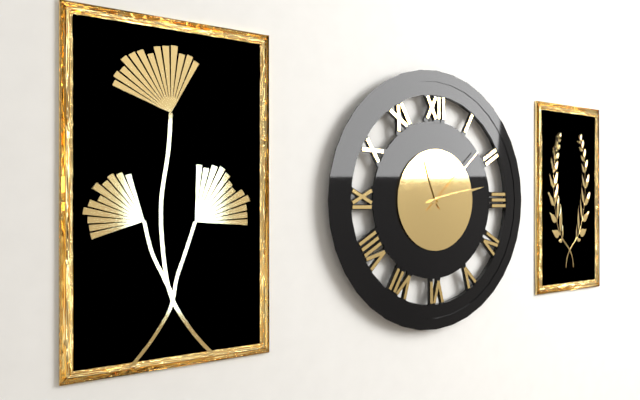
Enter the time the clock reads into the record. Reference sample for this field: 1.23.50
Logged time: 11.13.08
